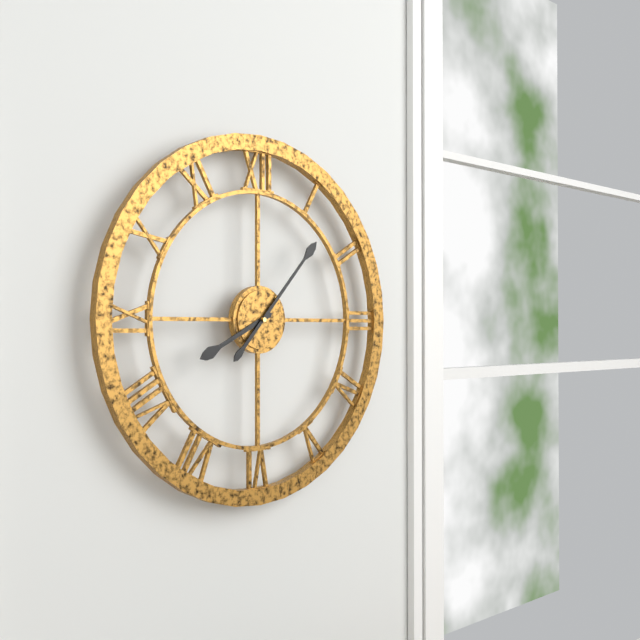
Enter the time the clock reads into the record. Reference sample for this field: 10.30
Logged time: 8.07
